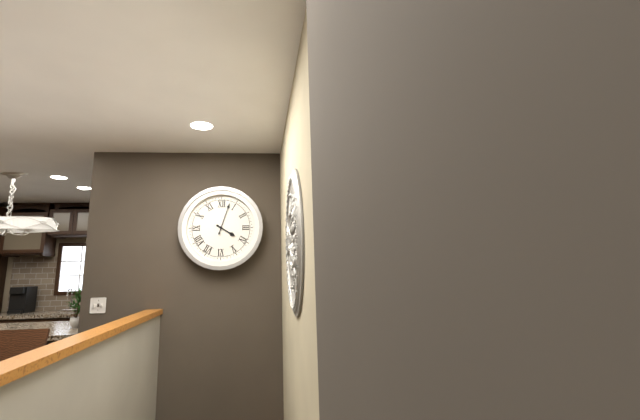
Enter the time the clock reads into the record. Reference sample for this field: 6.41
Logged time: 4.03
